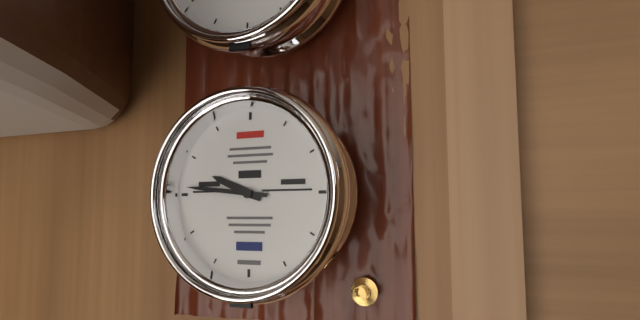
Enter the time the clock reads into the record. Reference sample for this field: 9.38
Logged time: 9.46
